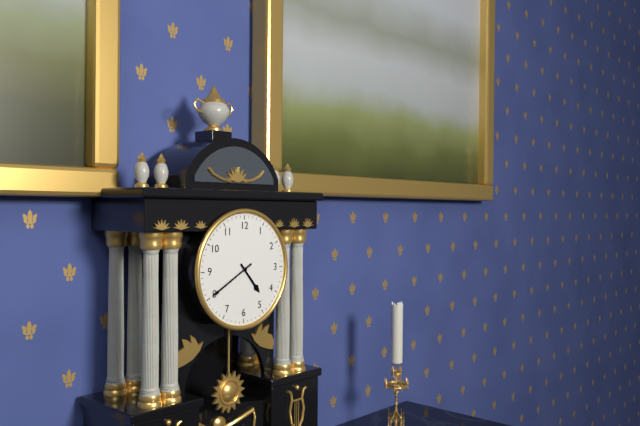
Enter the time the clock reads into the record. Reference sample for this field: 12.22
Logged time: 4.40
